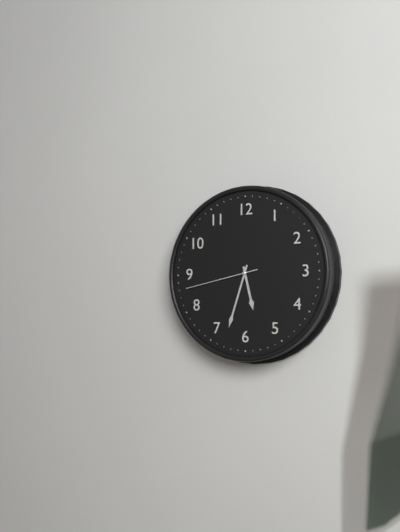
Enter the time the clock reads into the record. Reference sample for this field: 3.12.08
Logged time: 5.33.43
